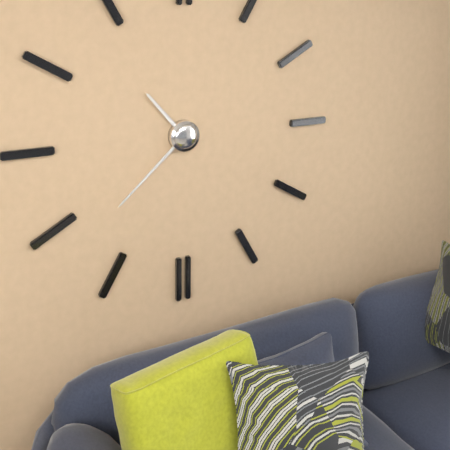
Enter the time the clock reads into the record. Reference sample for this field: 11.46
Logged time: 10.38
